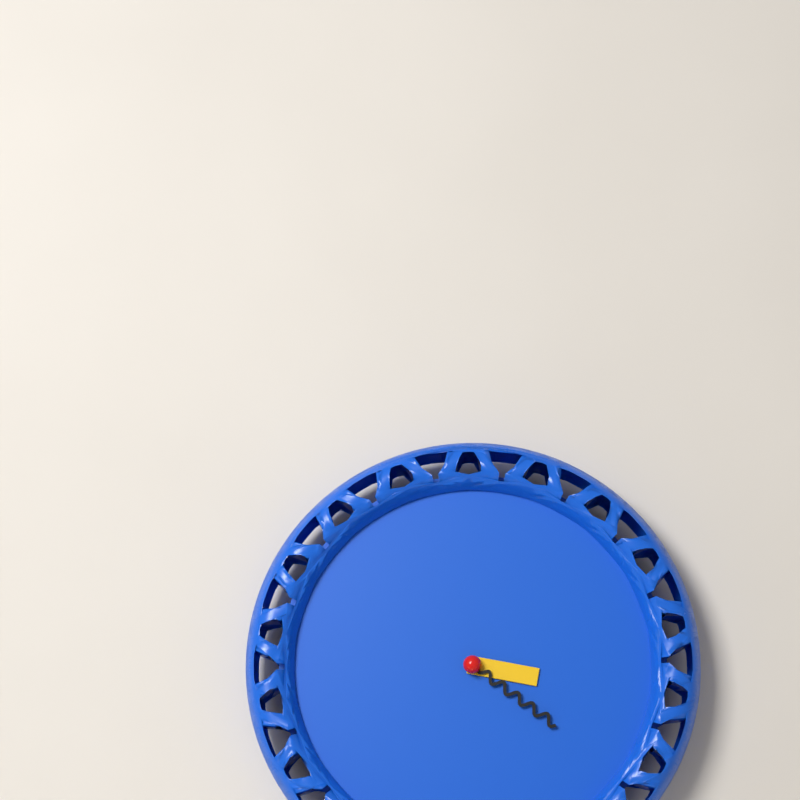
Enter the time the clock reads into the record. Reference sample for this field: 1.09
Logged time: 3.21
